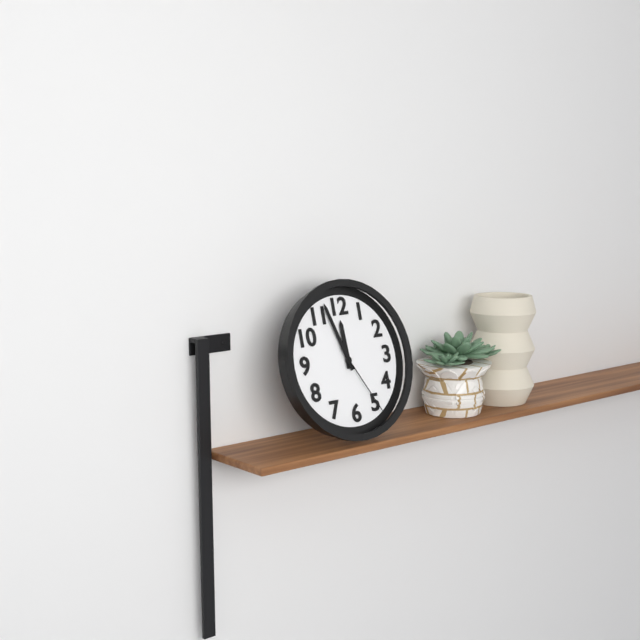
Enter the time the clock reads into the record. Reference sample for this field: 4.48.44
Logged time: 11.57.25
